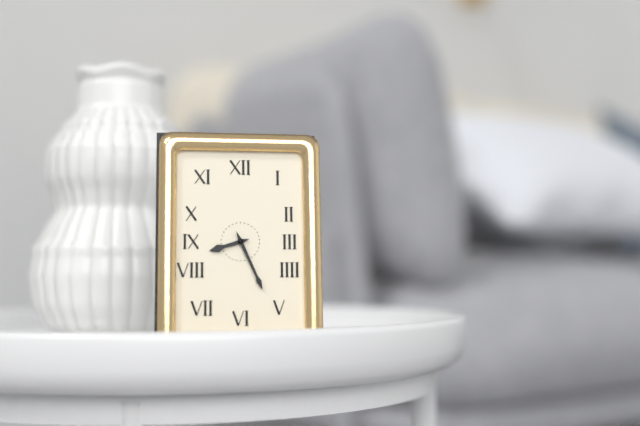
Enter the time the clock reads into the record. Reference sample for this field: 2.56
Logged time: 8.26
